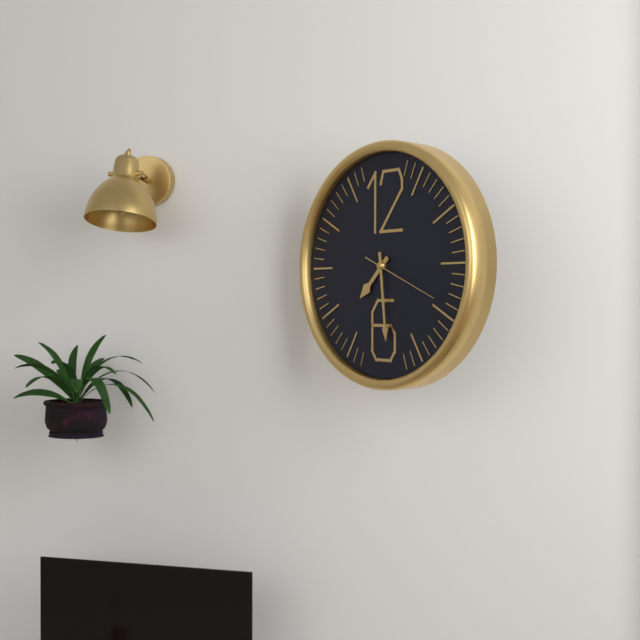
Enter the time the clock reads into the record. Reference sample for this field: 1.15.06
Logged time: 7.29.19
